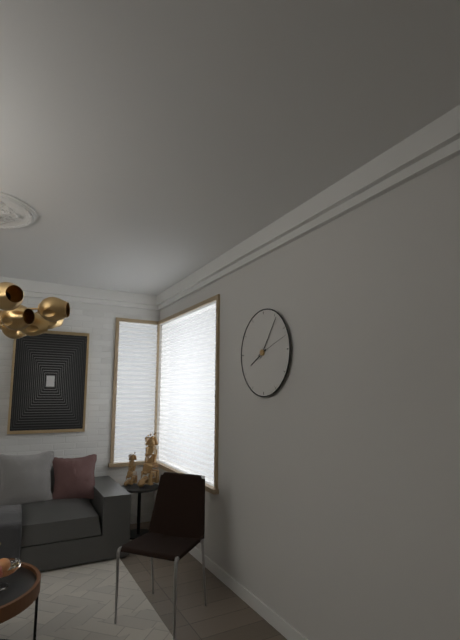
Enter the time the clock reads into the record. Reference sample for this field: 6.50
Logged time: 8.06
